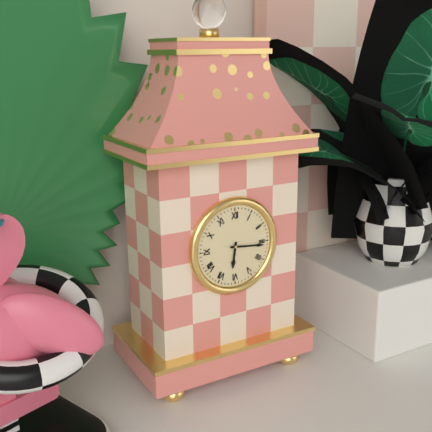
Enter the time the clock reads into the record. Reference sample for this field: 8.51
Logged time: 6.16
